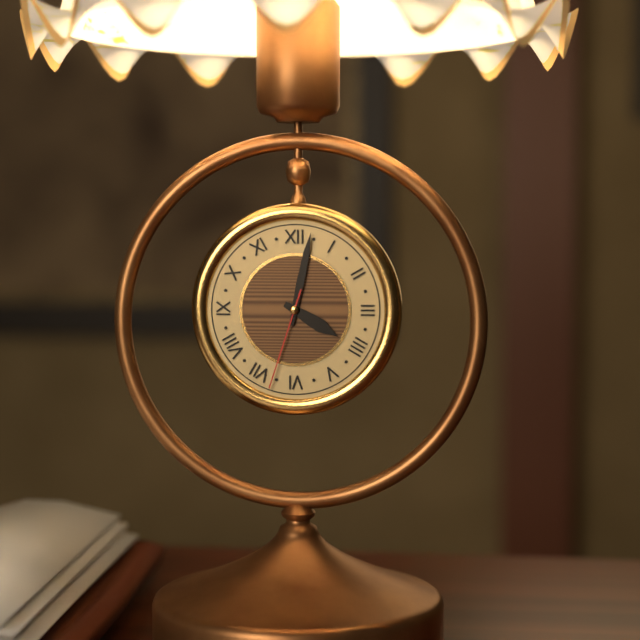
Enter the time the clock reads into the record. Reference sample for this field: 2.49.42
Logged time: 4.02.33
